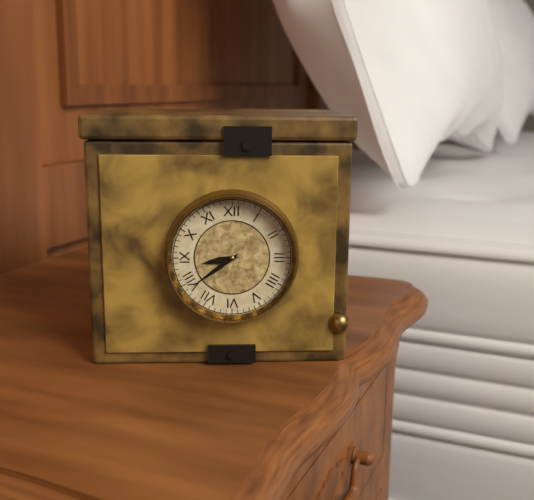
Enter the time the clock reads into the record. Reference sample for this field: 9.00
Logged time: 8.39
